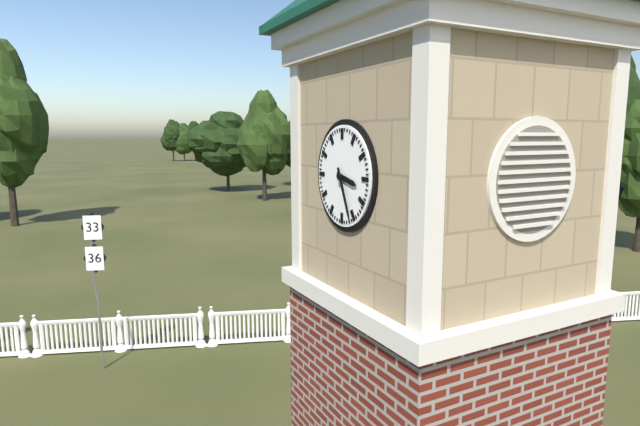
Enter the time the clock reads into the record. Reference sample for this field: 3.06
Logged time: 3.26
